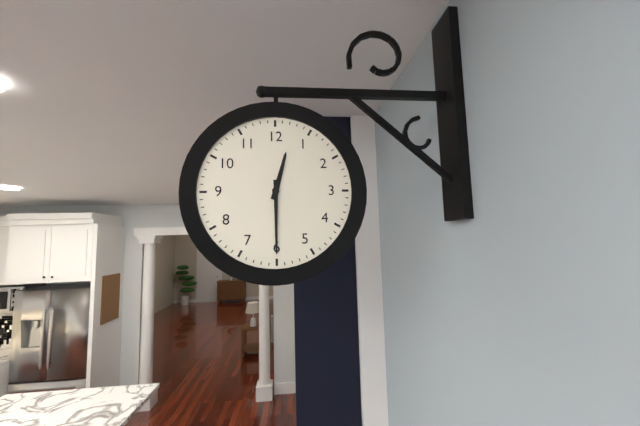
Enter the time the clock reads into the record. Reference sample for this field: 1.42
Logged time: 12.30
